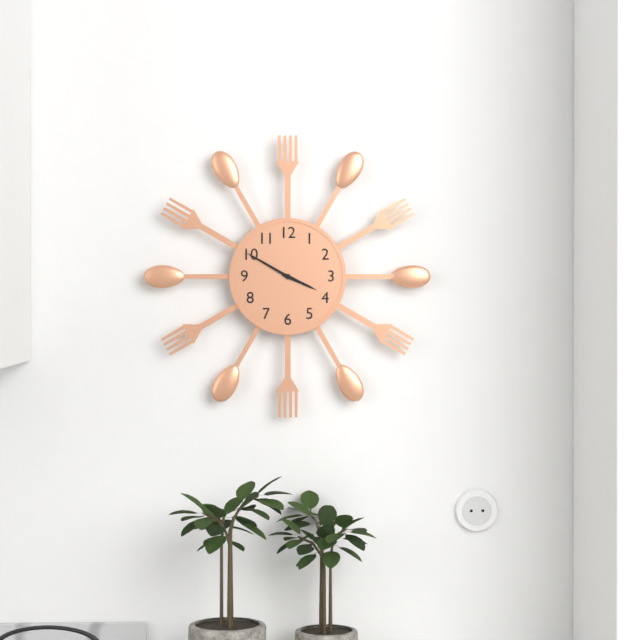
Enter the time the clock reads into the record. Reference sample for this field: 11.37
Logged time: 3.50
